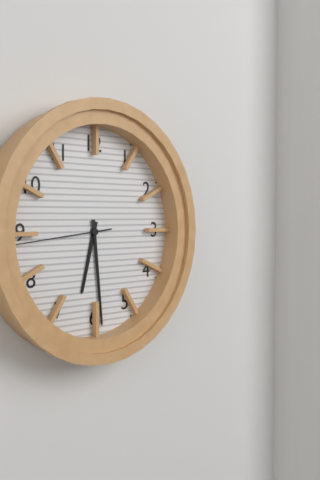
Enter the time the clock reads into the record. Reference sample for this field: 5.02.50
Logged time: 6.29.44
